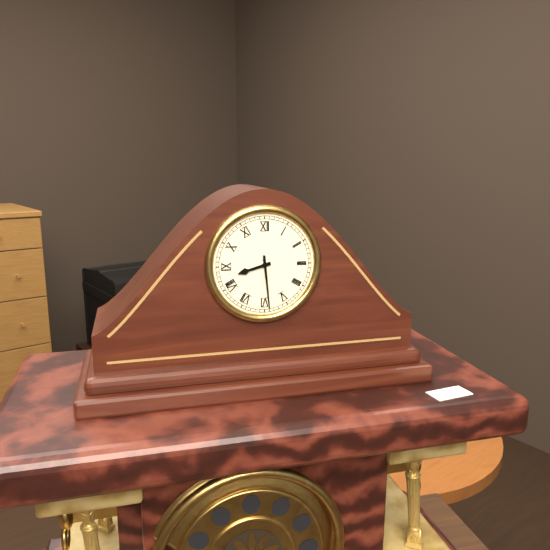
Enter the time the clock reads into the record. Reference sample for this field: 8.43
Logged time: 8.29
